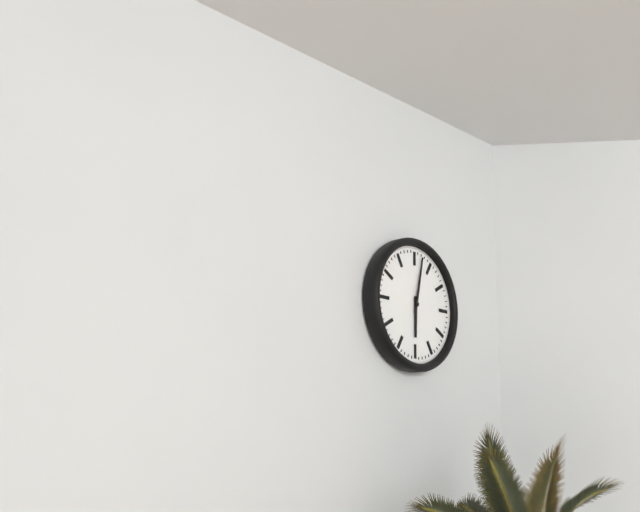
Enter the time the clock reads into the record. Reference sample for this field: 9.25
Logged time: 6.02
